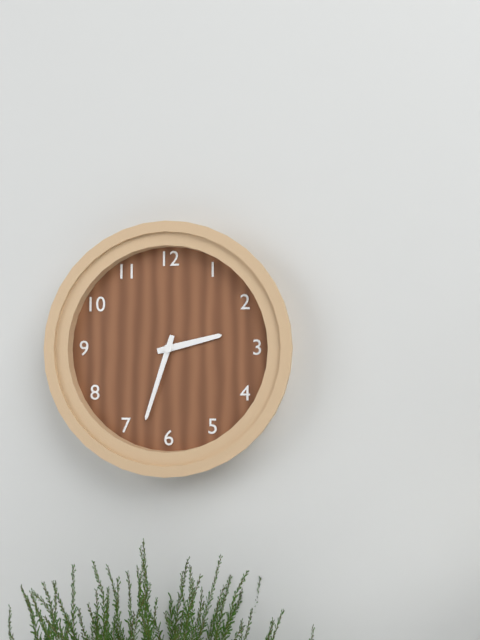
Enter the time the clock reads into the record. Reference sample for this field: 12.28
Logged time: 2.33
